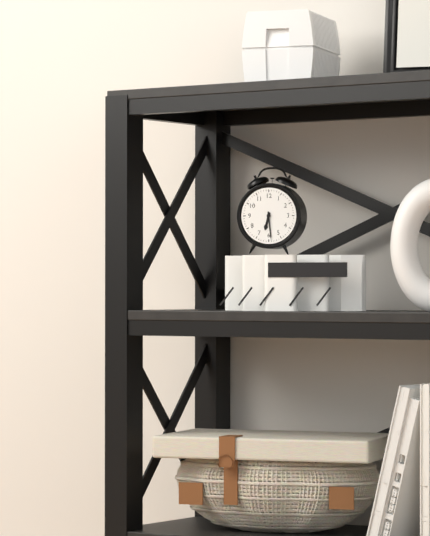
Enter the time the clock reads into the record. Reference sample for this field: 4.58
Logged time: 6.29
